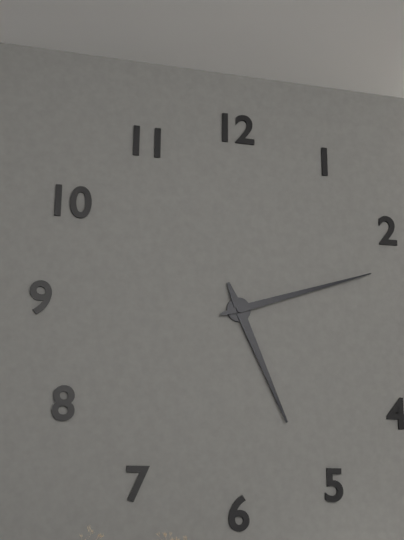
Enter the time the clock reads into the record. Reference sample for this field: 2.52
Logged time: 5.12
